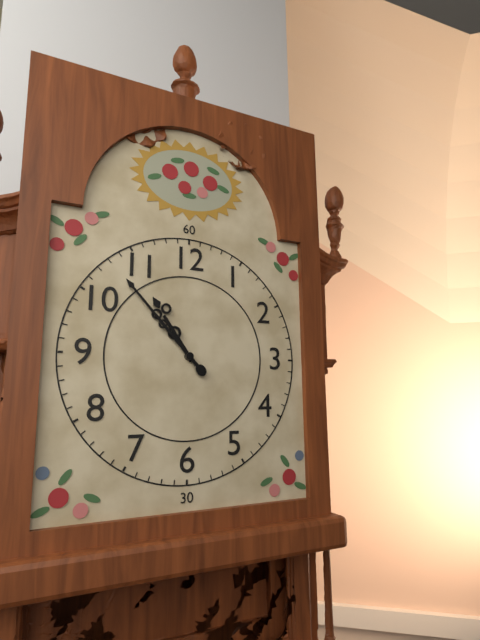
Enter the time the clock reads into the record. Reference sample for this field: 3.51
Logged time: 10.53
